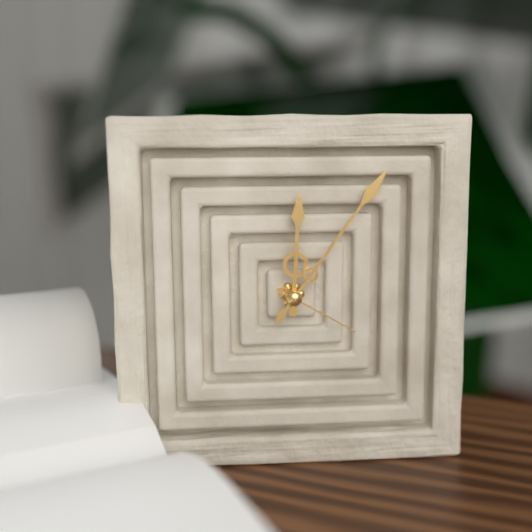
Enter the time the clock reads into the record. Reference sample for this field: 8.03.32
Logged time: 12.06.20
